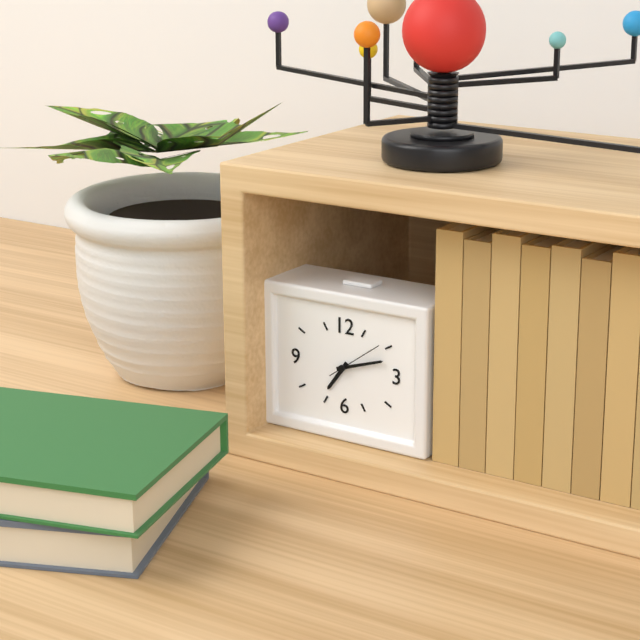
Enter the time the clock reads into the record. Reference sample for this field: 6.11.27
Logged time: 7.12.09
